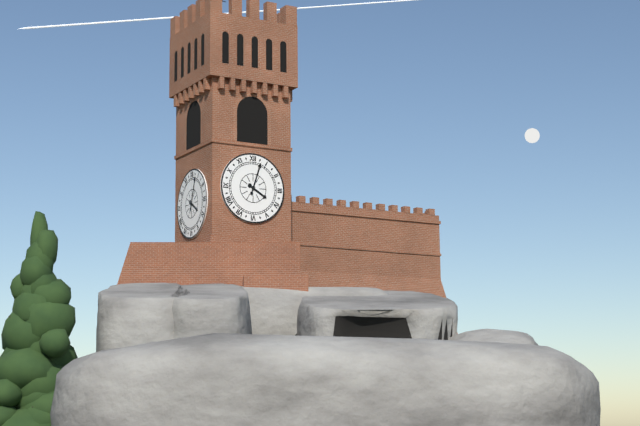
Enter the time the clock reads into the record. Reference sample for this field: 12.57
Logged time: 4.03
